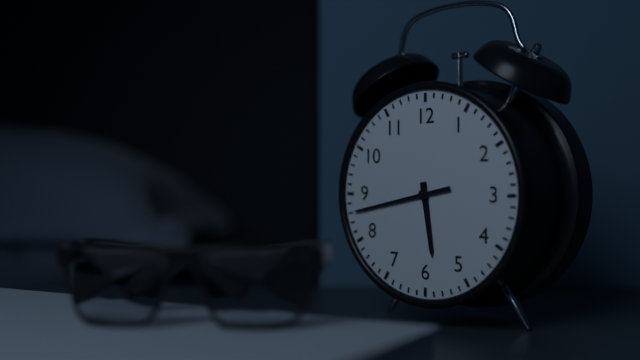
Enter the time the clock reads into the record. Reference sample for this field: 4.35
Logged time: 5.43
